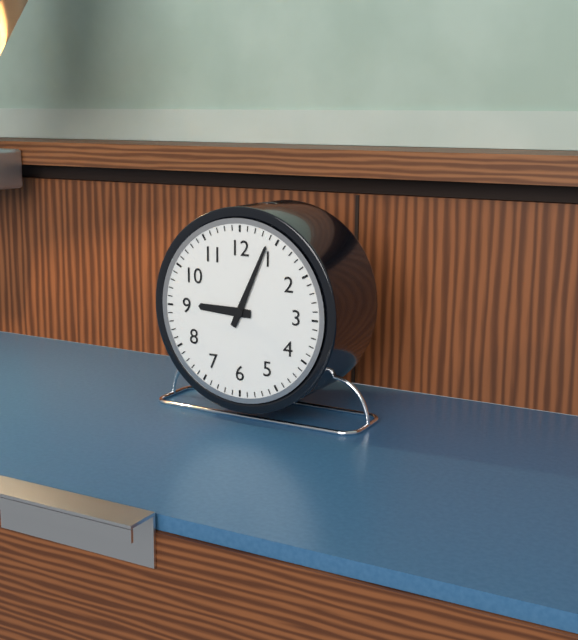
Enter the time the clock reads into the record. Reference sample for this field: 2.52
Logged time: 9.04
